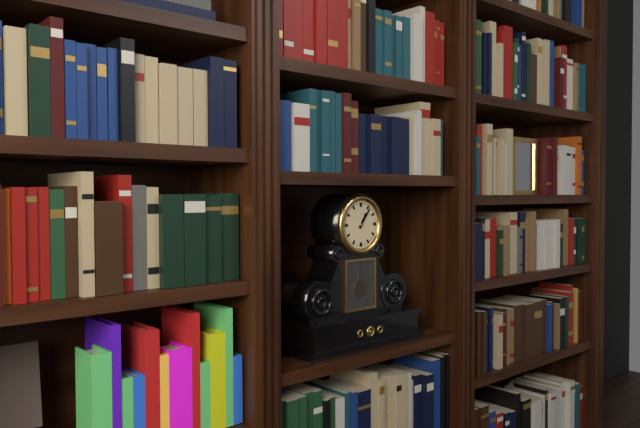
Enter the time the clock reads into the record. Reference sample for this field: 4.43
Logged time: 1.06
